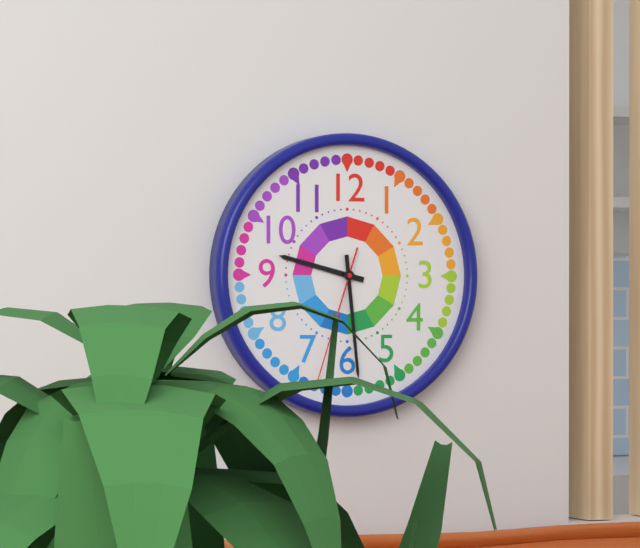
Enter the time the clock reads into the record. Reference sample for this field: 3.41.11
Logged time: 9.29.33
